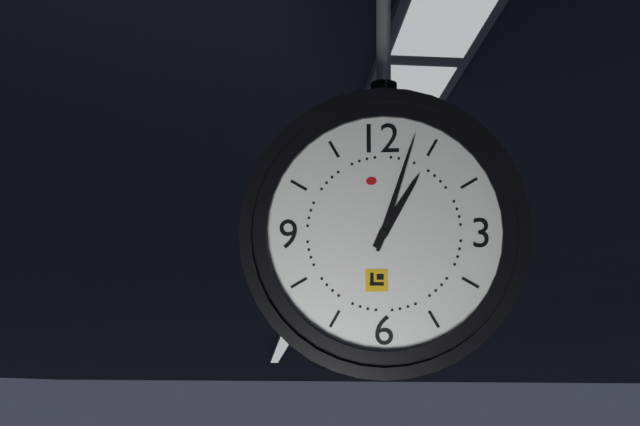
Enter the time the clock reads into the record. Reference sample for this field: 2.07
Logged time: 1.03
